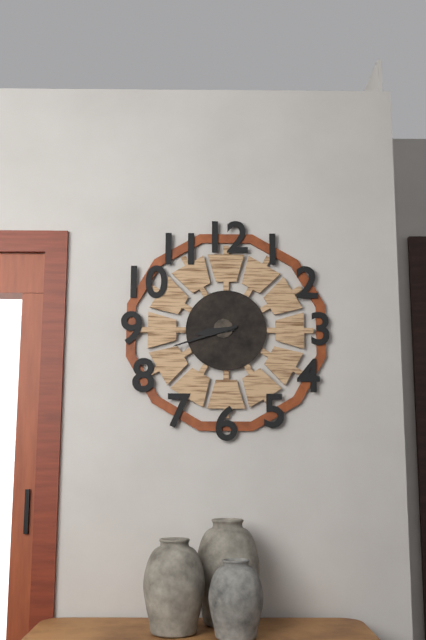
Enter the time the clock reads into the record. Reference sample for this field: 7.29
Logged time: 8.42
